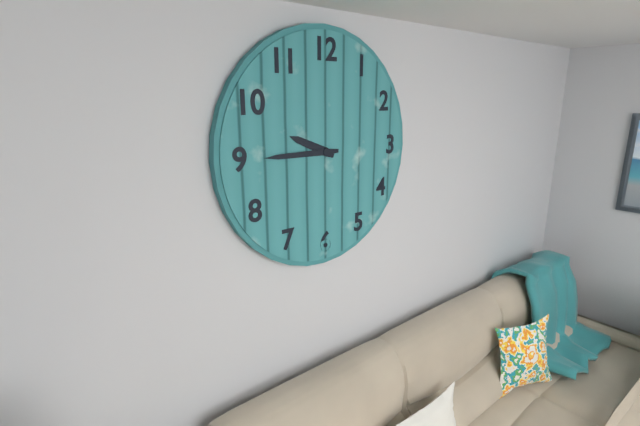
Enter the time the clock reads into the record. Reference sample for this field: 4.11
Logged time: 9.45
